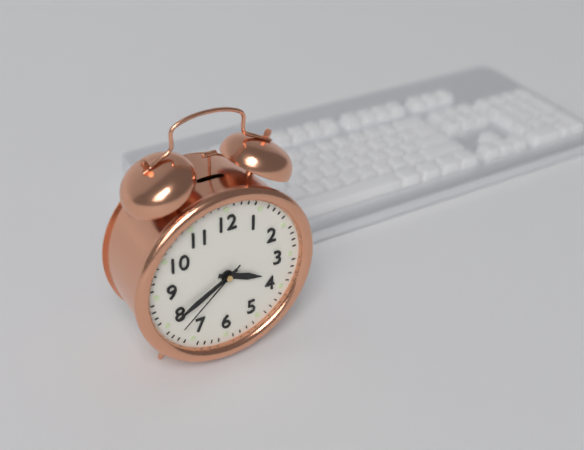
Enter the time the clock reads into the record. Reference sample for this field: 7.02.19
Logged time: 3.40.38
